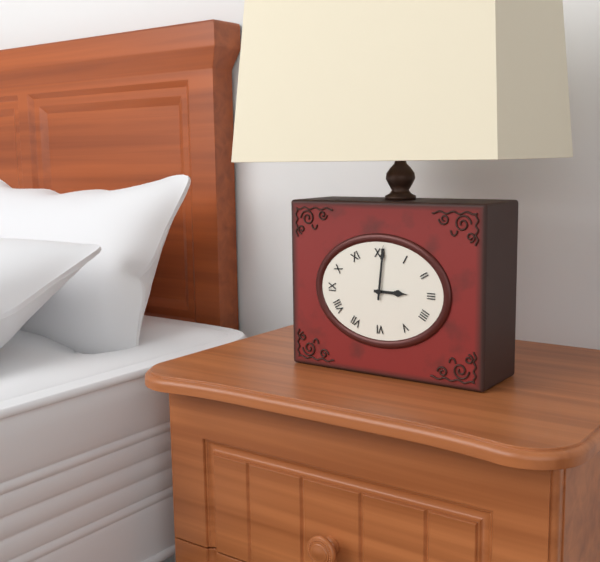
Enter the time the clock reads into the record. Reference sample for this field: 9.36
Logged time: 3.01
